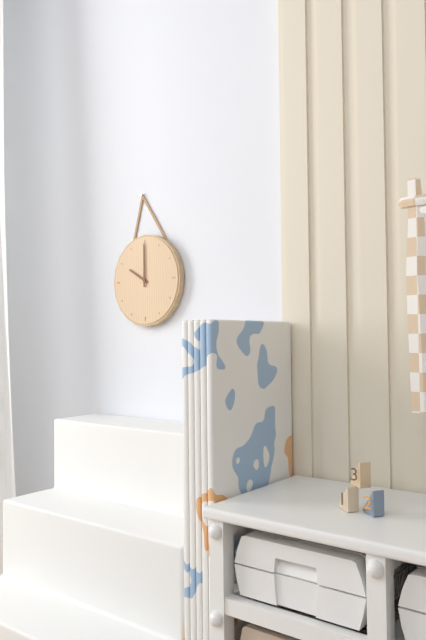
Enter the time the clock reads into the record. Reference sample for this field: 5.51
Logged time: 10.00
